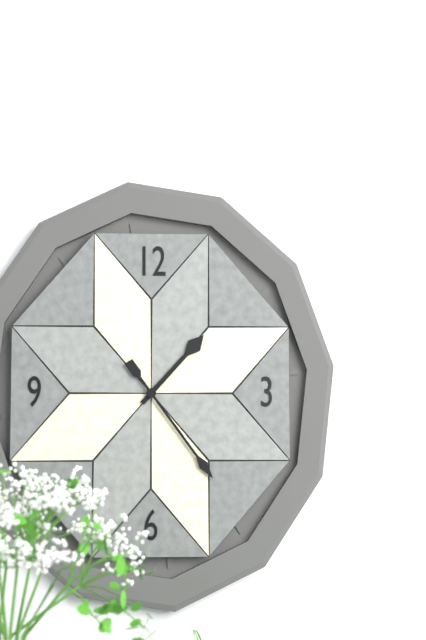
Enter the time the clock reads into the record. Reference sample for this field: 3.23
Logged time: 1.24
